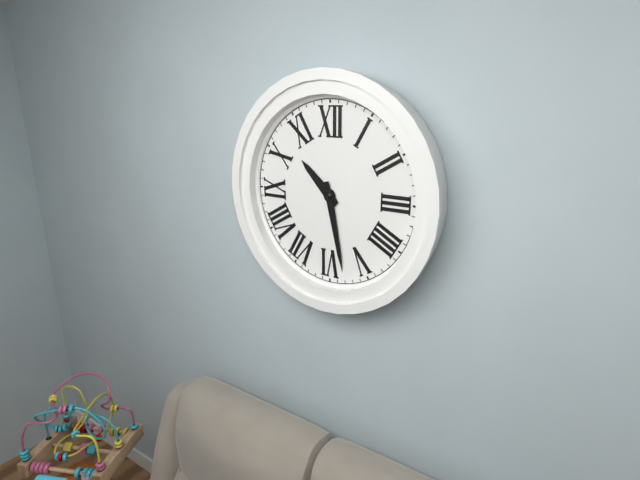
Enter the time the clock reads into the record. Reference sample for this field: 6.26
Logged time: 10.28
